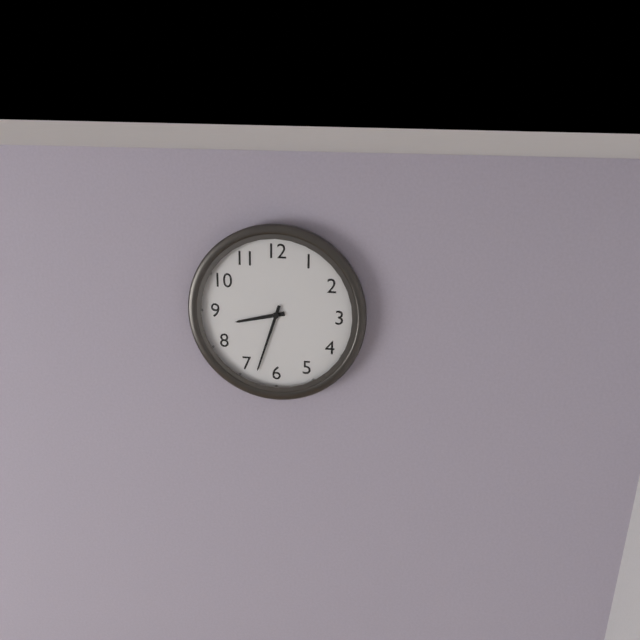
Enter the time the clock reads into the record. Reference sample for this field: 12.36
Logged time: 8.33
